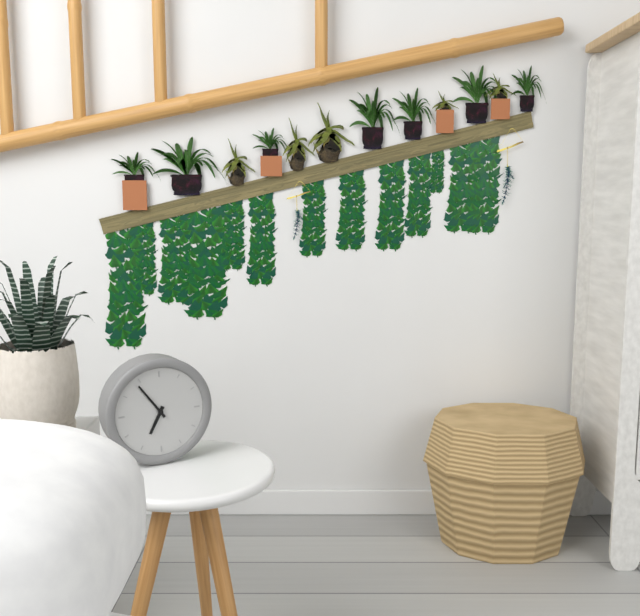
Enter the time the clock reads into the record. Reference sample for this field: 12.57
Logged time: 6.54
